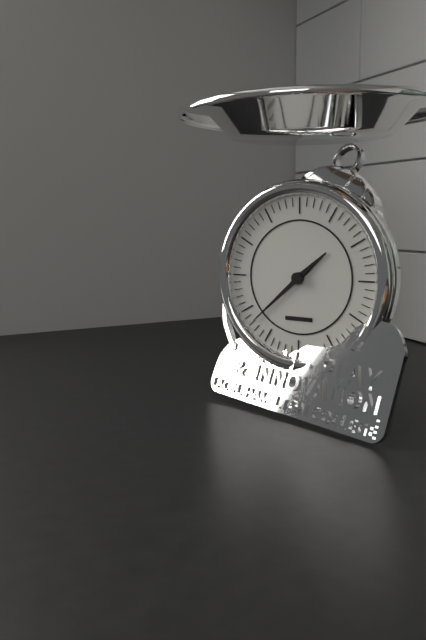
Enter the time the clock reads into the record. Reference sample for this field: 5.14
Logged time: 1.38
